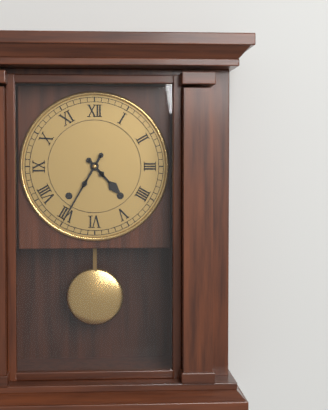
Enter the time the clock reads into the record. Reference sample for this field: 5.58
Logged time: 4.35
